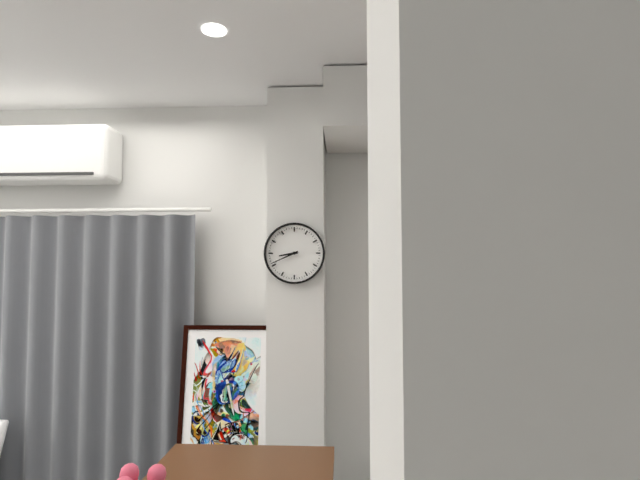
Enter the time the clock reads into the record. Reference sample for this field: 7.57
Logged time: 8.41
